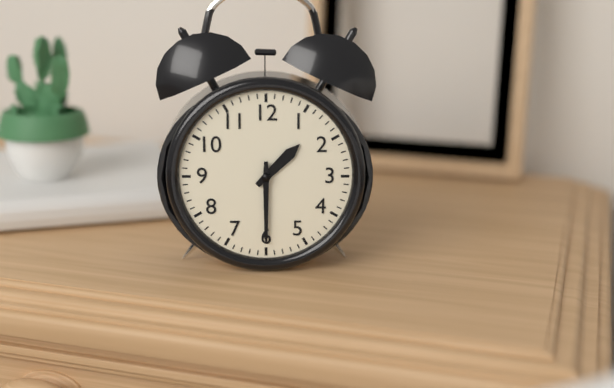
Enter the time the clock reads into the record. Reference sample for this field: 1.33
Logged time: 1.30
